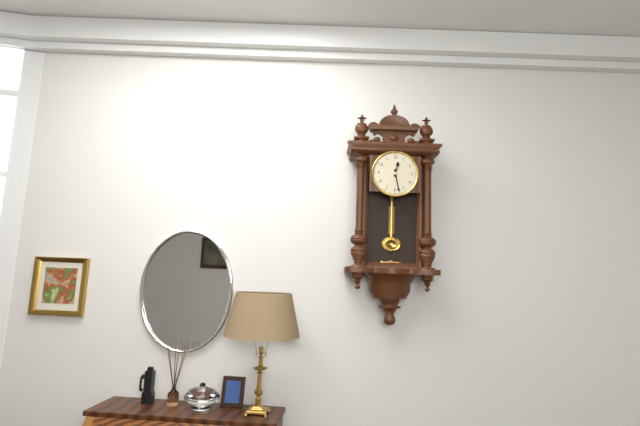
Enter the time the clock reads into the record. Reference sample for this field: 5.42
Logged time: 12.28
